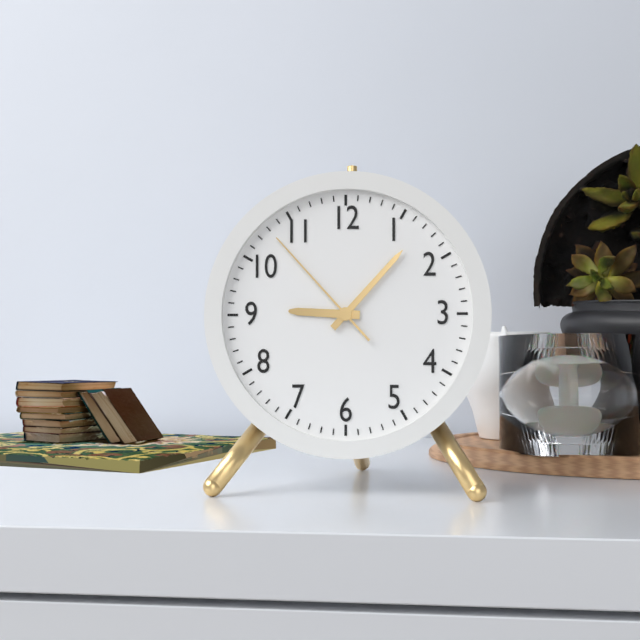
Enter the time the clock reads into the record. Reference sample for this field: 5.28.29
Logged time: 9.07.53
